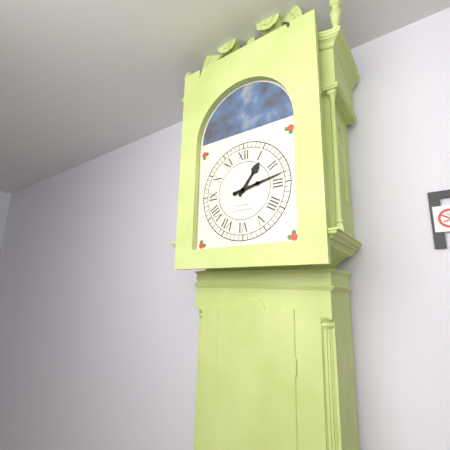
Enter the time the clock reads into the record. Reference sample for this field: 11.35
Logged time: 1.13
